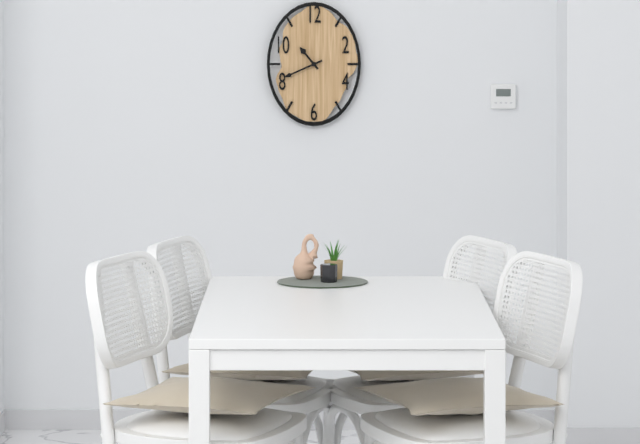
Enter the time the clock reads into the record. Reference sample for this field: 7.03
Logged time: 10.41
